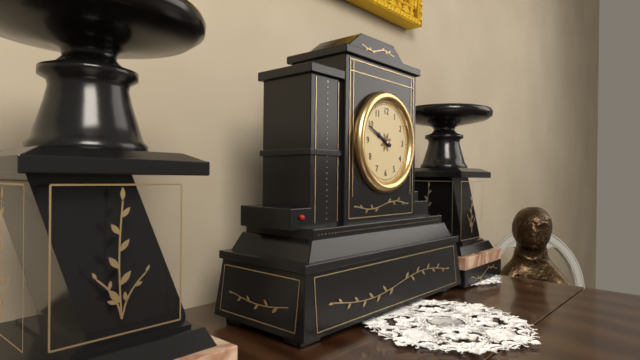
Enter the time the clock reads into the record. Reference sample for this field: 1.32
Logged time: 9.49
